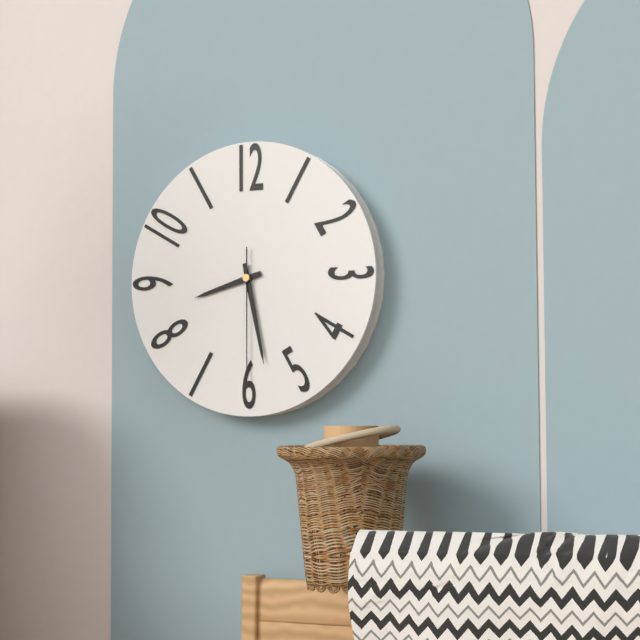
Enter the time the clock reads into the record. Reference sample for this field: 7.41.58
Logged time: 8.28.30
